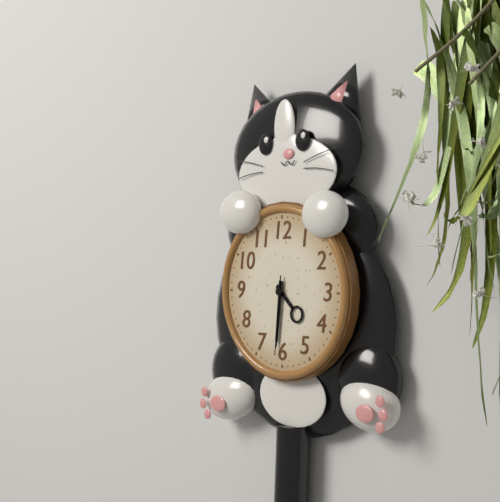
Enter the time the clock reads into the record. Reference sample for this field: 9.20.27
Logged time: 4.31.31
